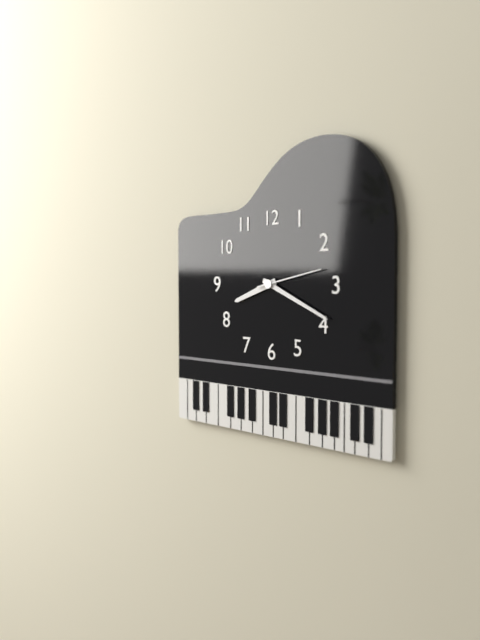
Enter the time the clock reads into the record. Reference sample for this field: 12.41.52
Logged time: 8.19.13
